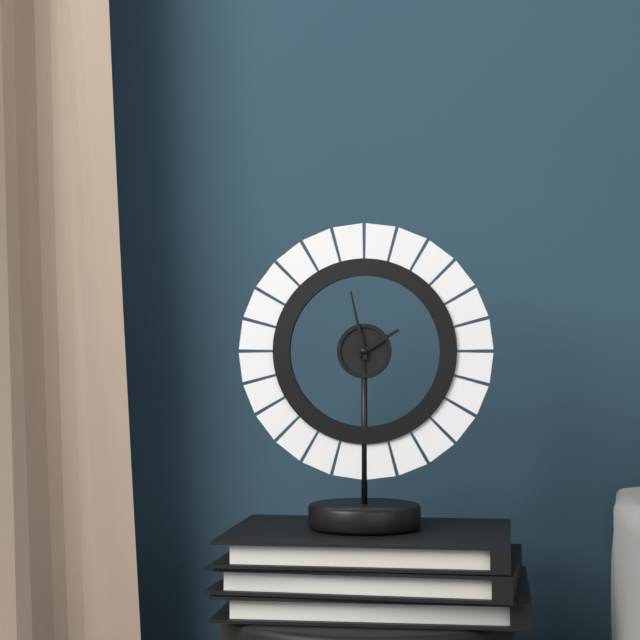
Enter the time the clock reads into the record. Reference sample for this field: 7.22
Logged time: 1.58
